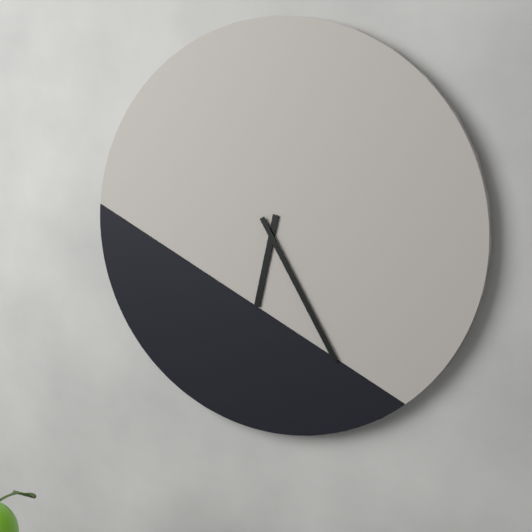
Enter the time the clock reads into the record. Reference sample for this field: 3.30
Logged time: 6.25
